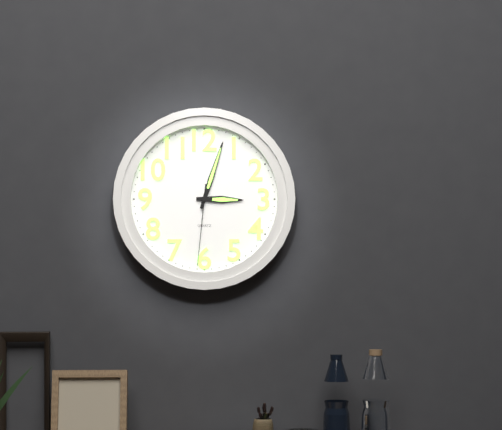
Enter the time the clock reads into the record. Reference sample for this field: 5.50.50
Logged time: 3.03.31
